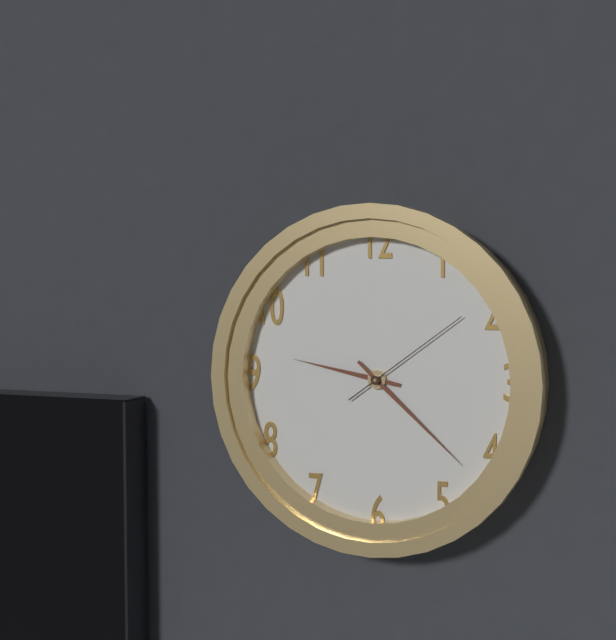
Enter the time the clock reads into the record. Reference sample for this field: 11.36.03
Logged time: 9.22.09
